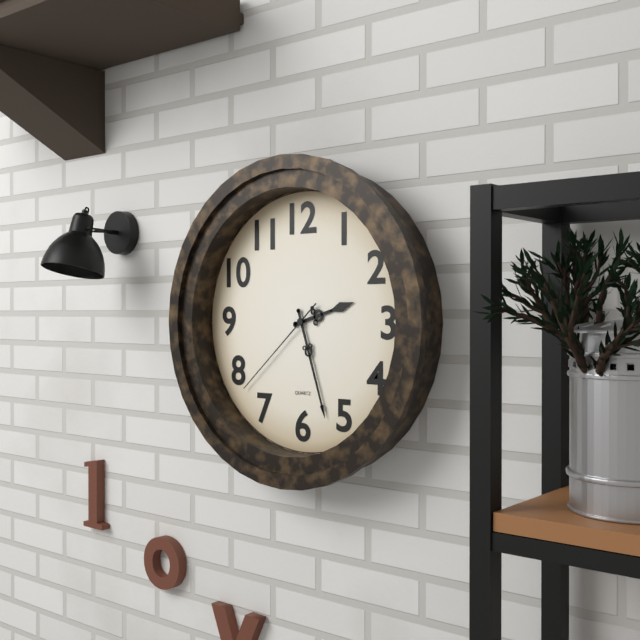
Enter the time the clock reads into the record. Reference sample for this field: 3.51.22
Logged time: 2.27.38
